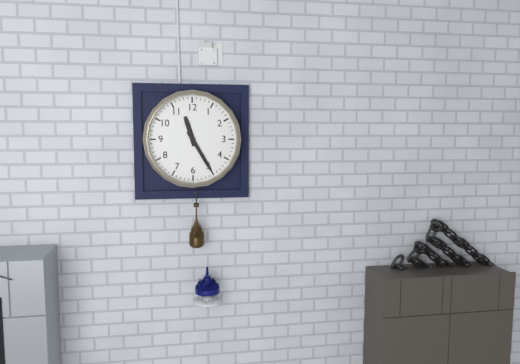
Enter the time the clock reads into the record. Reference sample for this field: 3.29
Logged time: 11.25
